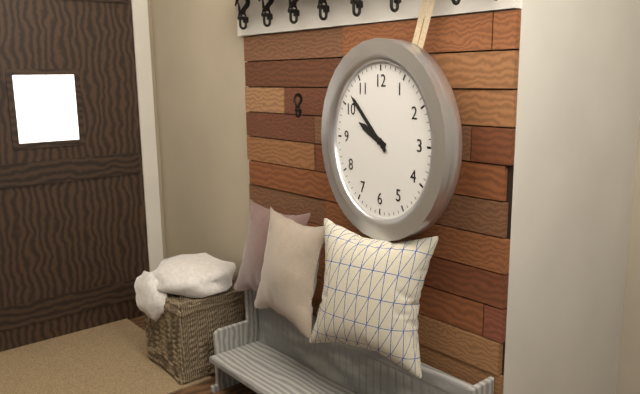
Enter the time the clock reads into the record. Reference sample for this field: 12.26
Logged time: 9.52
